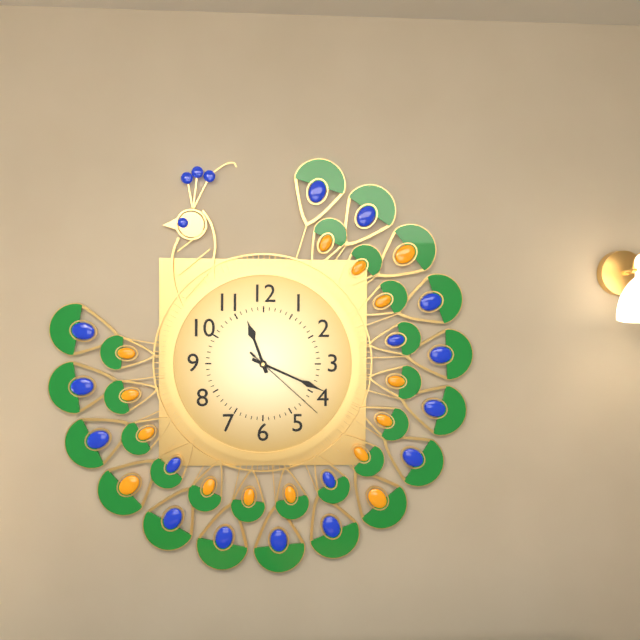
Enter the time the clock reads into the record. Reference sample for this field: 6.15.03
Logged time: 11.19.22
